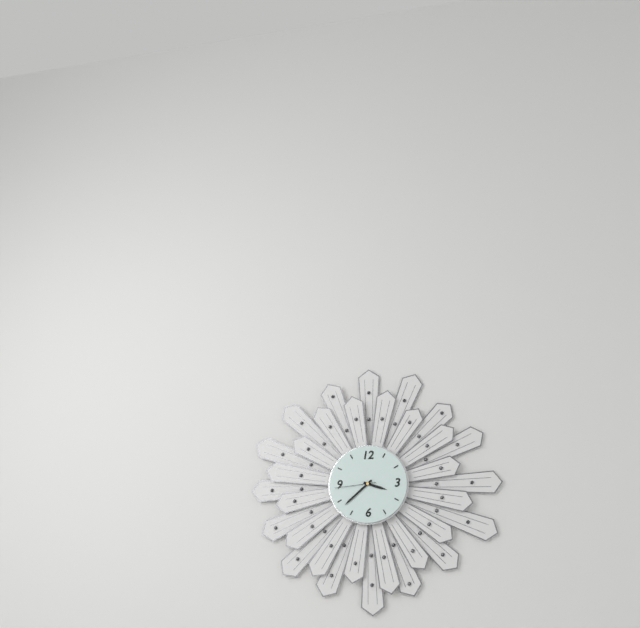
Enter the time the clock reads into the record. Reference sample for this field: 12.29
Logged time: 3.38
